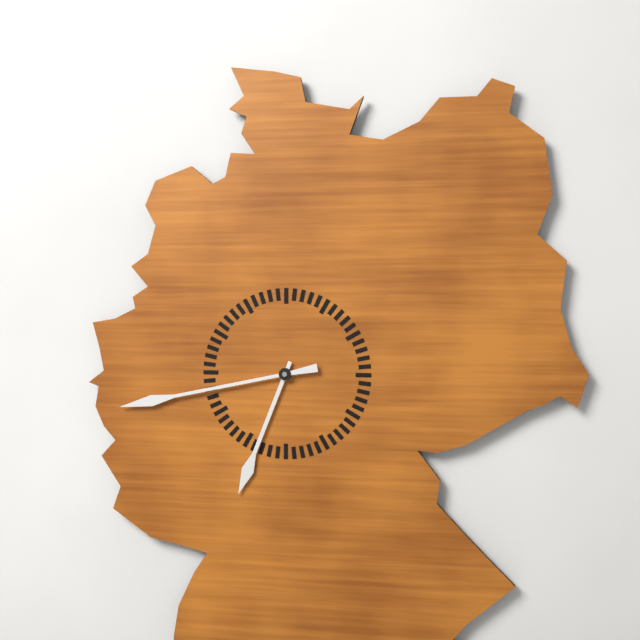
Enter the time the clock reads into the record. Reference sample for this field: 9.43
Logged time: 6.43
